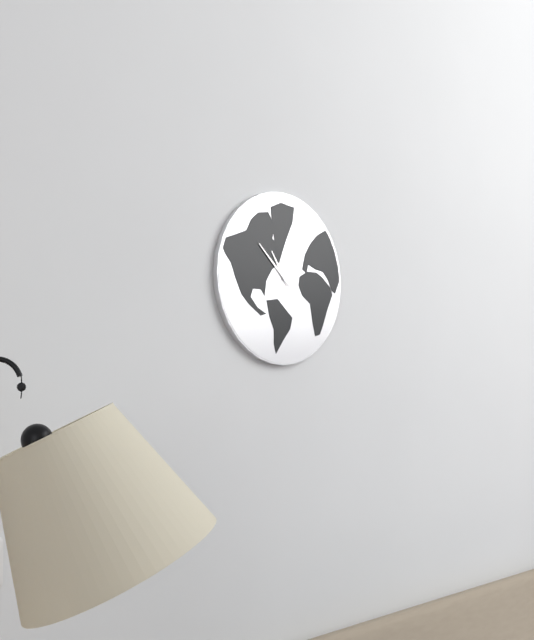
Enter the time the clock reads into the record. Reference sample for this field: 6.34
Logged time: 10.52
